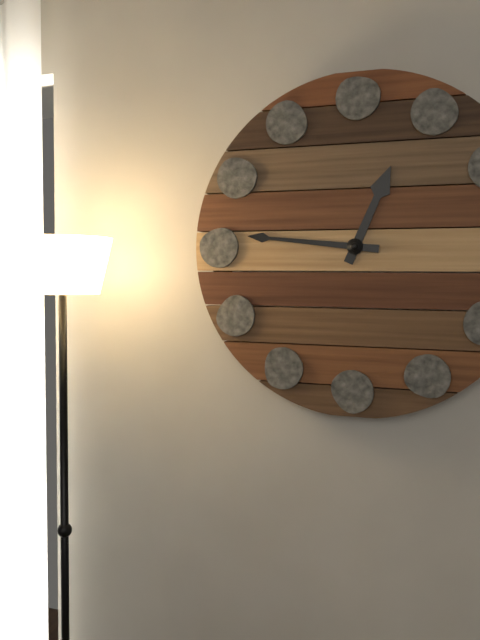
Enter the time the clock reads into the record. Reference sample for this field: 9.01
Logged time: 12.46
